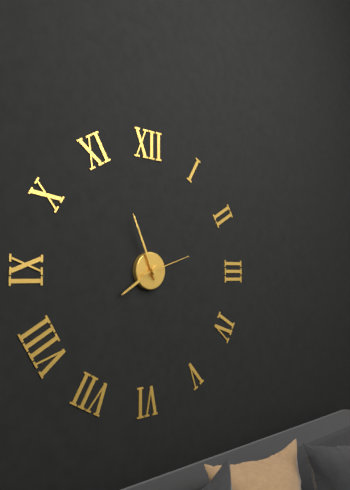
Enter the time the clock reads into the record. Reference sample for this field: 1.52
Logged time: 7.56
